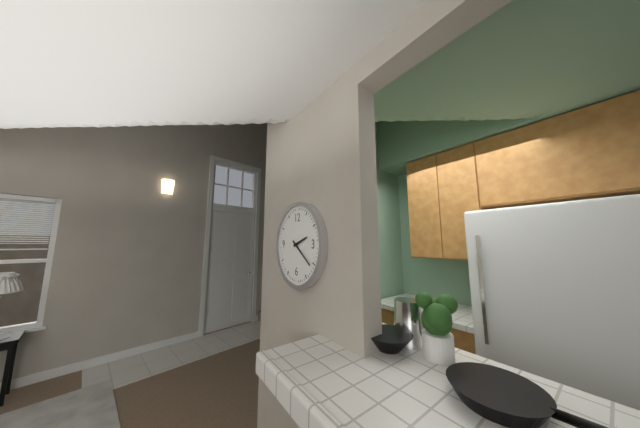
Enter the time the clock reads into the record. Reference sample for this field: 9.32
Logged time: 2.21
